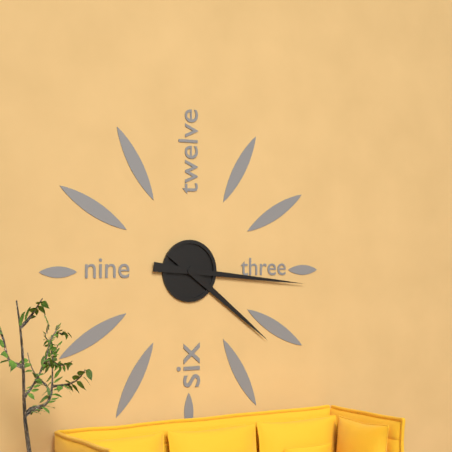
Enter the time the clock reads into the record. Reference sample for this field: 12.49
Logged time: 4.16
